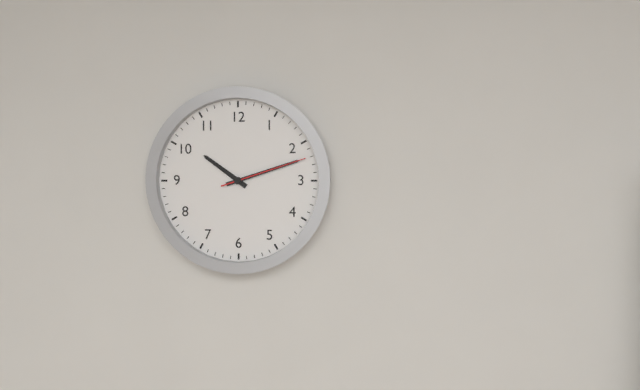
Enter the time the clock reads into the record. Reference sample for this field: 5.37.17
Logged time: 10.12.12
